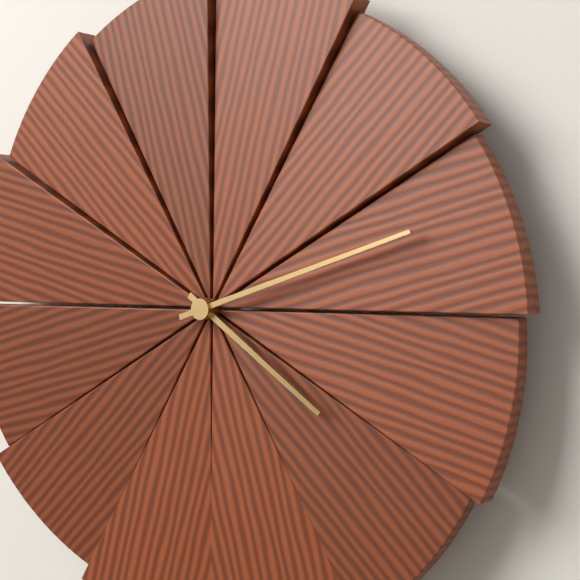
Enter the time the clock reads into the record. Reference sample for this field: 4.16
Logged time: 4.12
